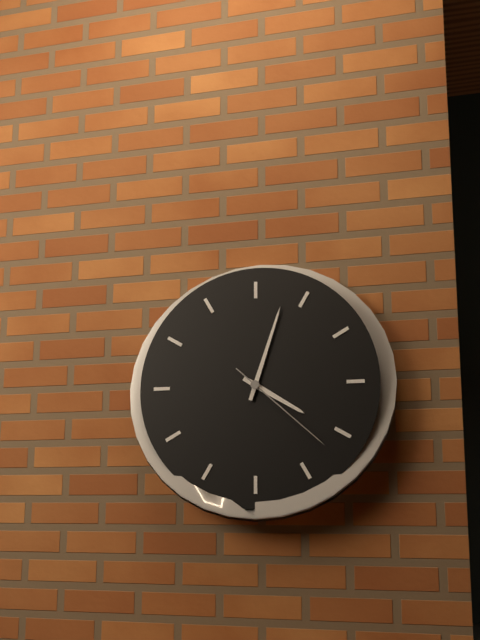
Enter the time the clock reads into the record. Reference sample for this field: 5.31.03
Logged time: 4.03.22
